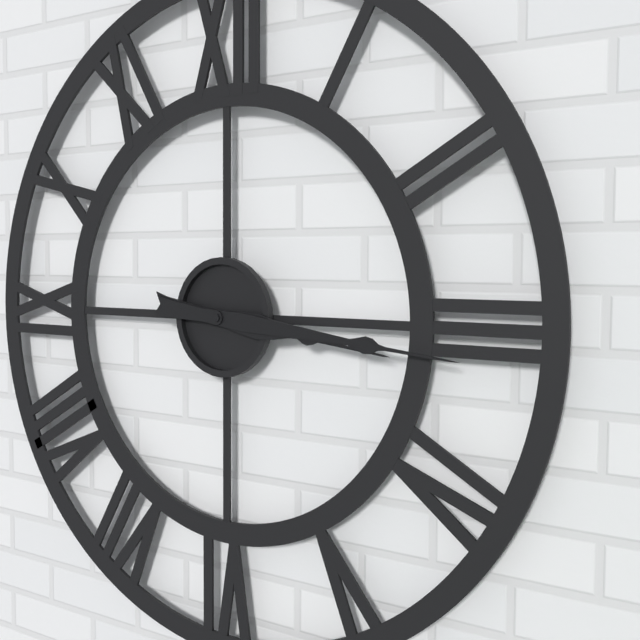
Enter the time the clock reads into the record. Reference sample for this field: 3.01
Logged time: 3.16
